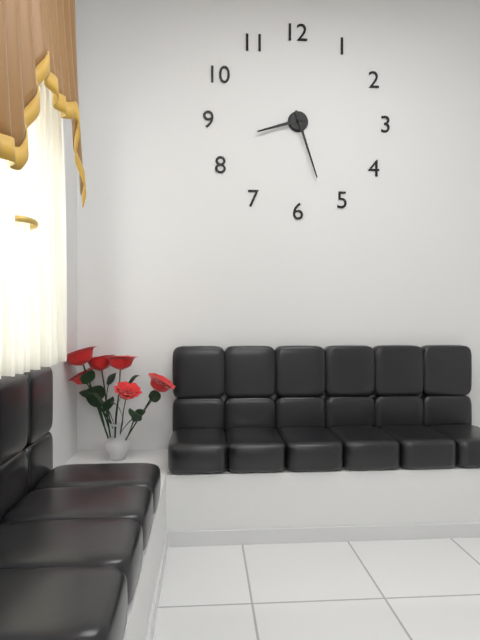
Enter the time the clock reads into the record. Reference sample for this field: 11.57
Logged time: 8.27
